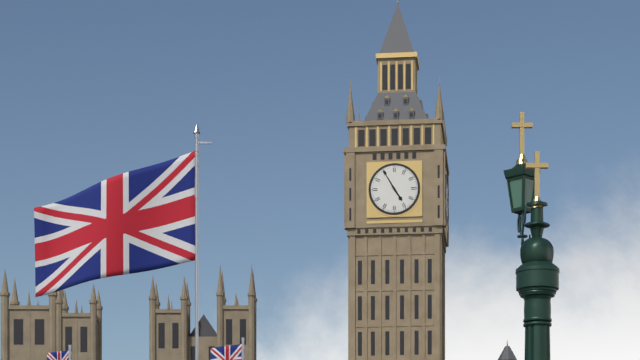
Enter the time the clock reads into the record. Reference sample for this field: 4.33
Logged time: 4.55
